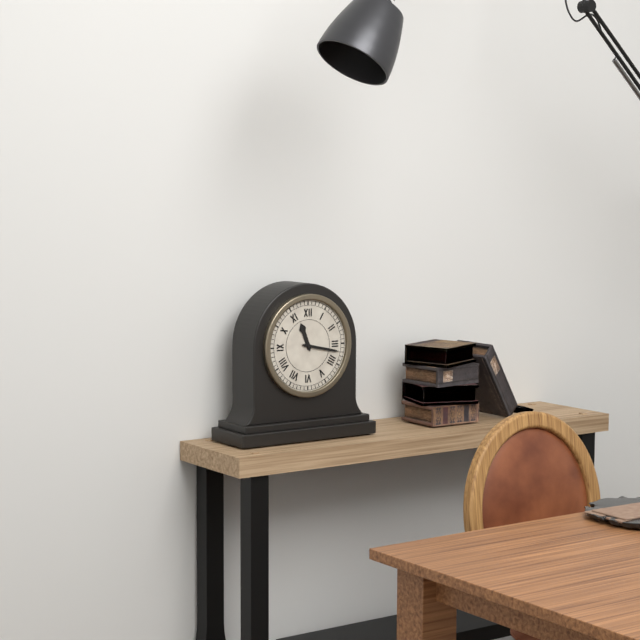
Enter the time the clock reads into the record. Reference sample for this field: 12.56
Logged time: 11.17
